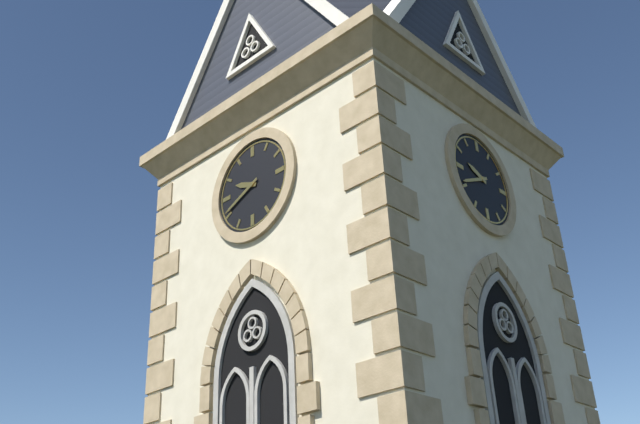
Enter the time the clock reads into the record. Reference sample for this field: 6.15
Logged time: 9.41
